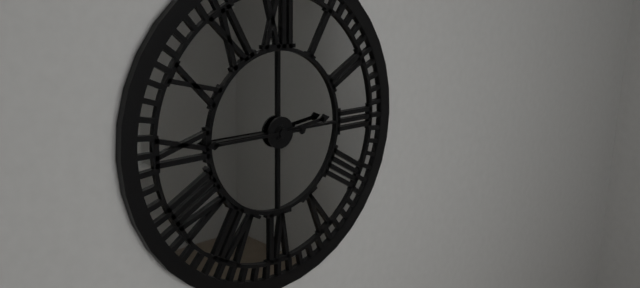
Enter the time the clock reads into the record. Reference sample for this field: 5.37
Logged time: 2.45
